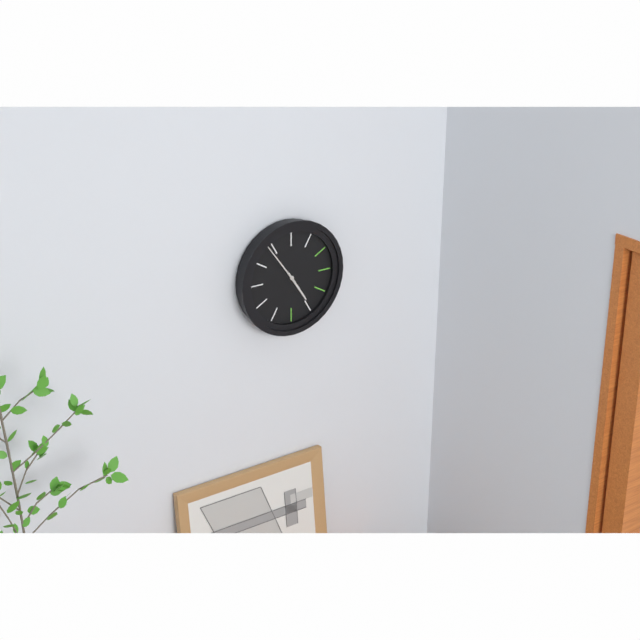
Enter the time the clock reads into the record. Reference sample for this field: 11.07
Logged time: 4.54
